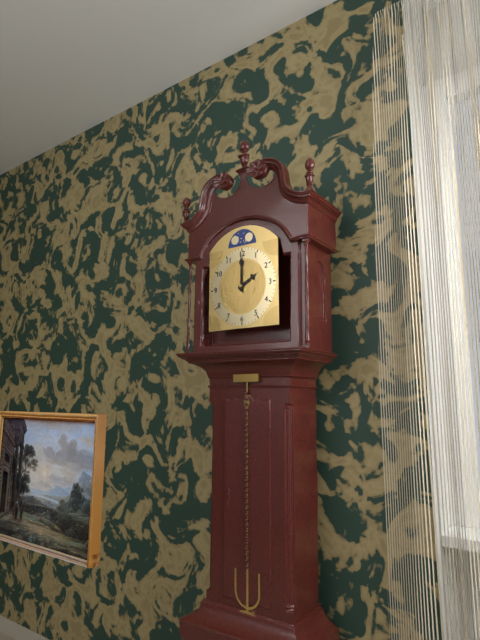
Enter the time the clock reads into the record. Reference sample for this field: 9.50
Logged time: 2.00
